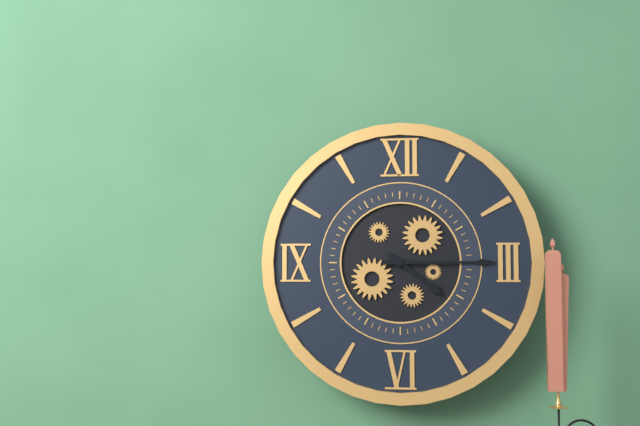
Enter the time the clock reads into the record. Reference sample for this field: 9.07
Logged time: 4.15
